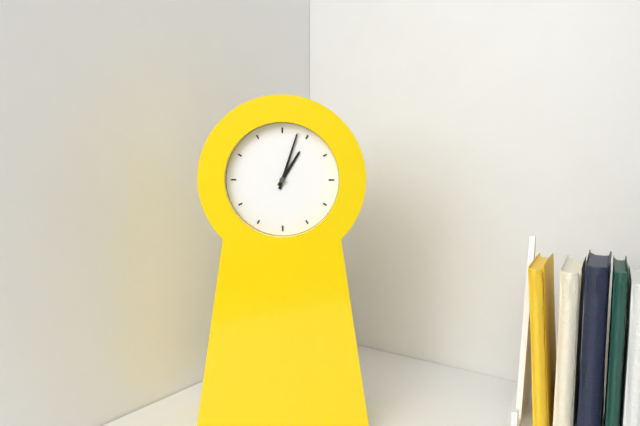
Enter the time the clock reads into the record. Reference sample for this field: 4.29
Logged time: 1.03
